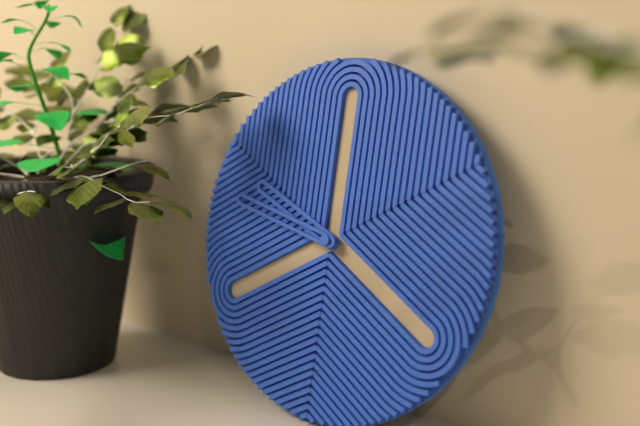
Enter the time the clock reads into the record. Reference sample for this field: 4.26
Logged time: 9.47
